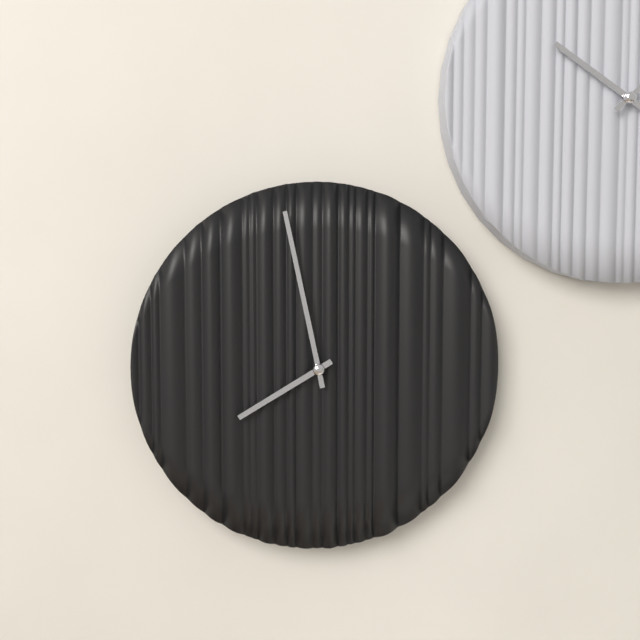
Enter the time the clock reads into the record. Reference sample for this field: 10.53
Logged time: 7.58
